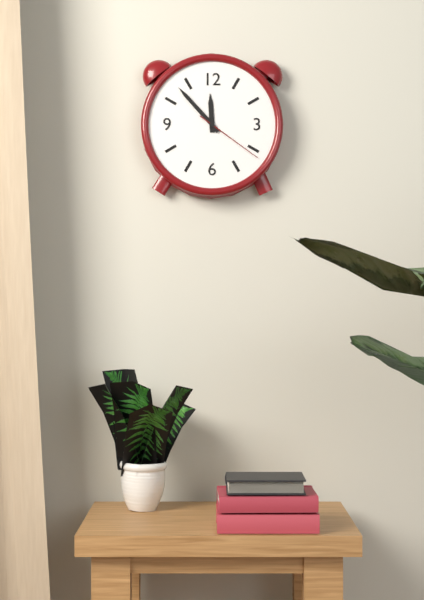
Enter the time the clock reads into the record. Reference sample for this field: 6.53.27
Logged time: 11.53.21
